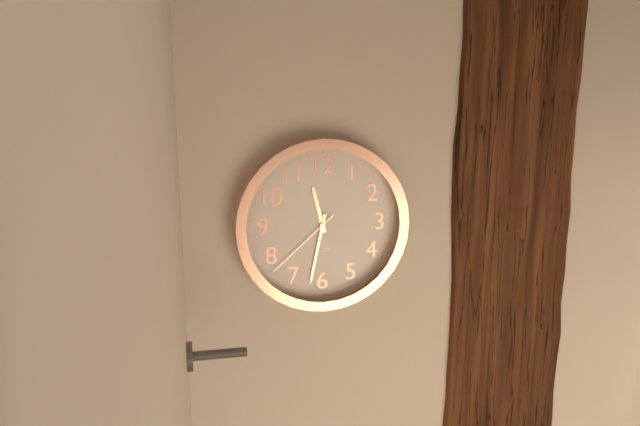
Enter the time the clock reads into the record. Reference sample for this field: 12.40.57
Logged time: 11.32.38
